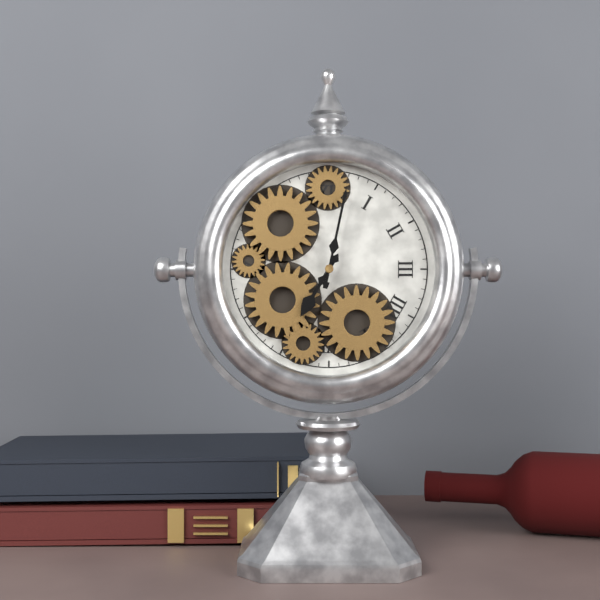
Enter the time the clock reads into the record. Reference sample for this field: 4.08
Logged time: 7.02
